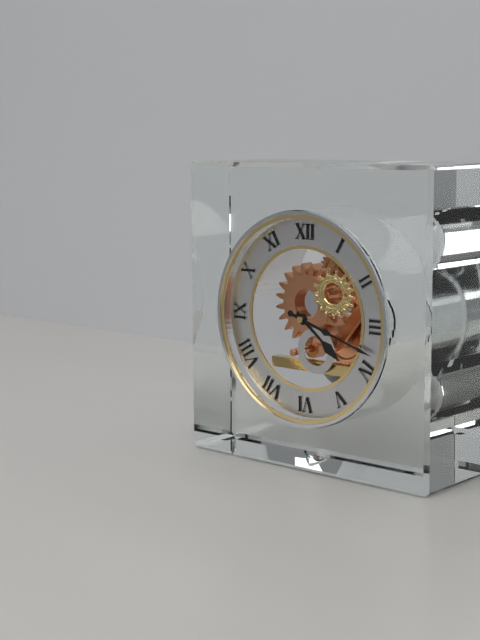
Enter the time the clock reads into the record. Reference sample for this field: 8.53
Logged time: 4.18
